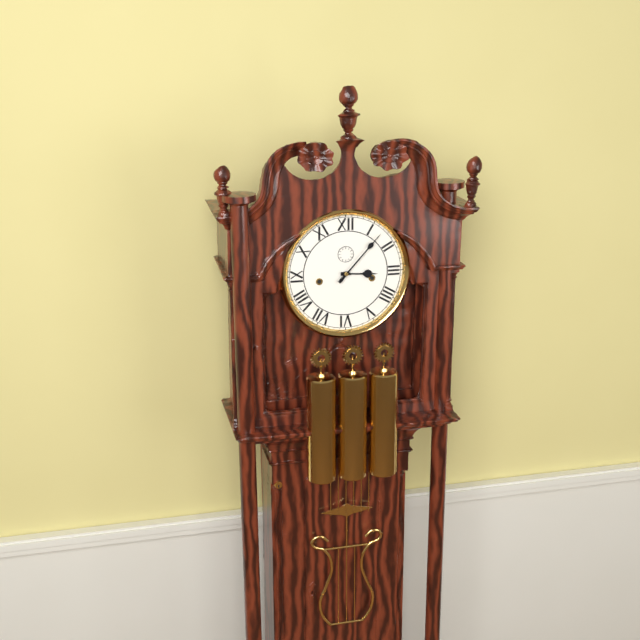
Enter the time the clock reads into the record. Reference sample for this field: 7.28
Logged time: 3.07
